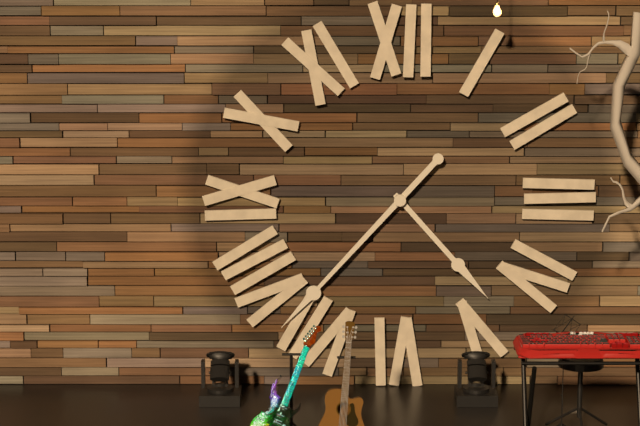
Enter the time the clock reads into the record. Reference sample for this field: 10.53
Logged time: 4.37
